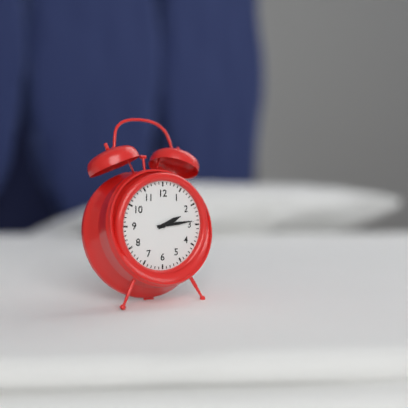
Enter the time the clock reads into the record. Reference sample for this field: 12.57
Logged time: 2.14
